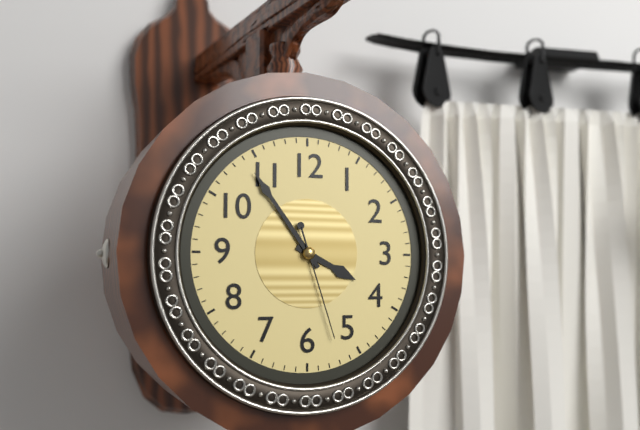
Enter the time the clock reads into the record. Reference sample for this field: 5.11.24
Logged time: 3.54.27
